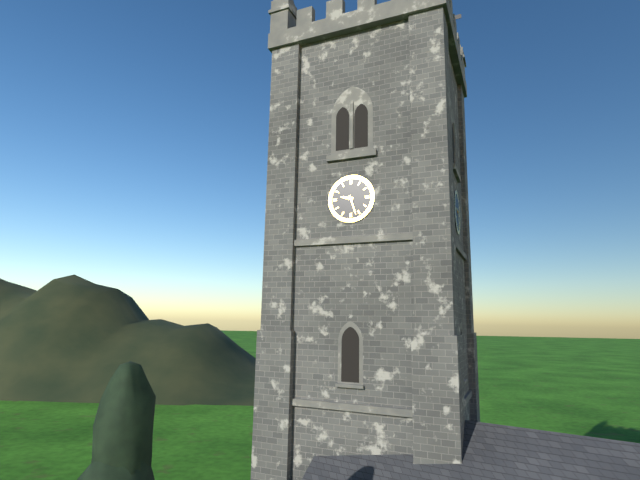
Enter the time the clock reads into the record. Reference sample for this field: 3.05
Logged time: 9.27
